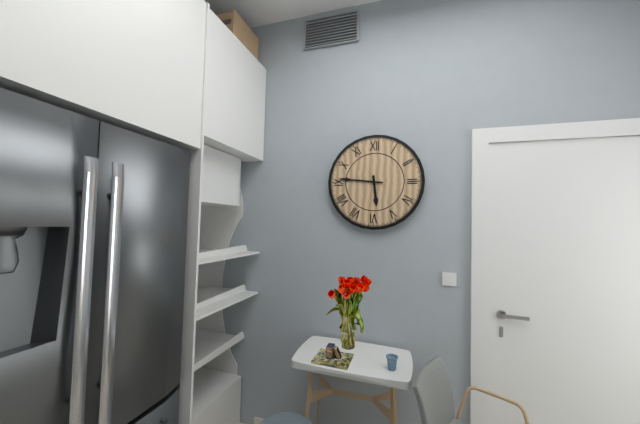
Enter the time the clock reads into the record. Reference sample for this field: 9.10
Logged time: 5.46
